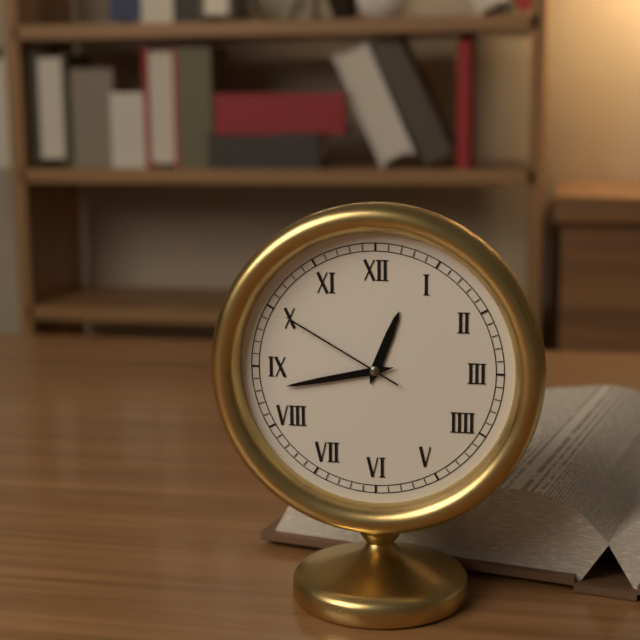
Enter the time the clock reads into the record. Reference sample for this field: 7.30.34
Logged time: 12.43.50
